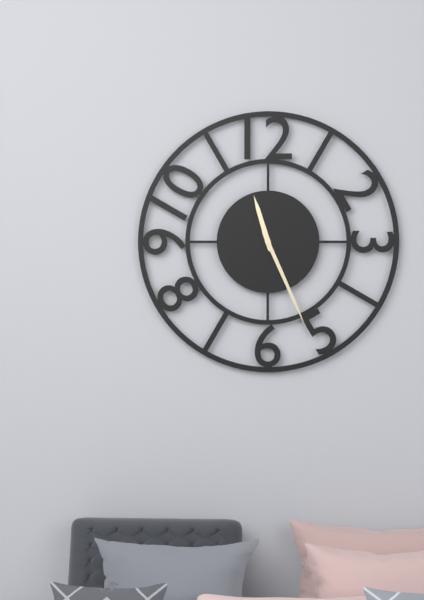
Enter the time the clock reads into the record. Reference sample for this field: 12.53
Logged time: 11.26
